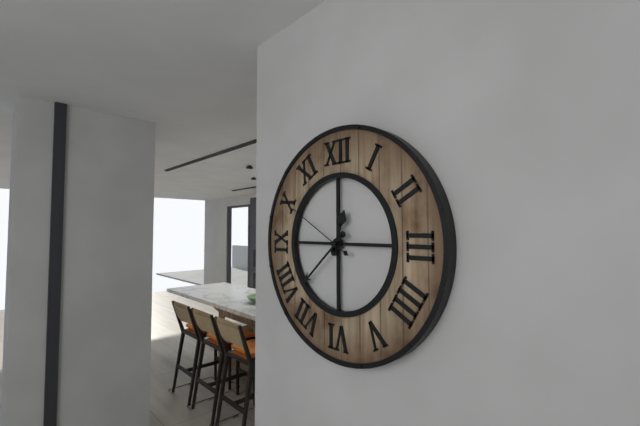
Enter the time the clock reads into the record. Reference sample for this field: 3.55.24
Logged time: 12.38.50
